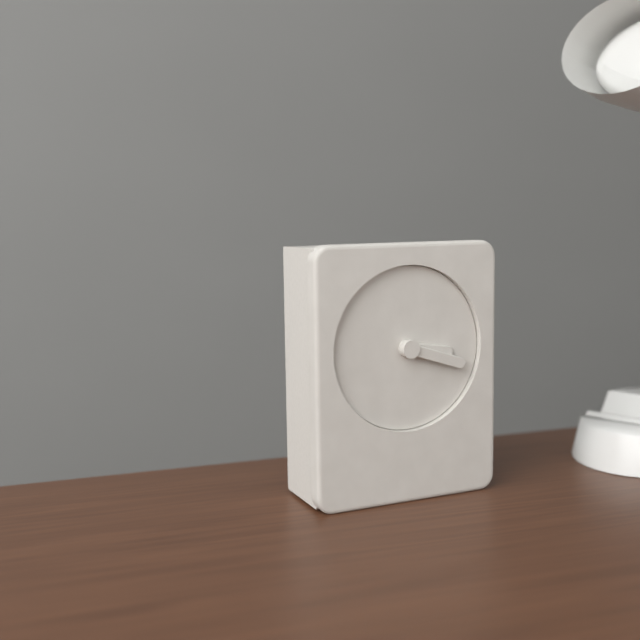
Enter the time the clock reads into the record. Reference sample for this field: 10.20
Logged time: 3.18
